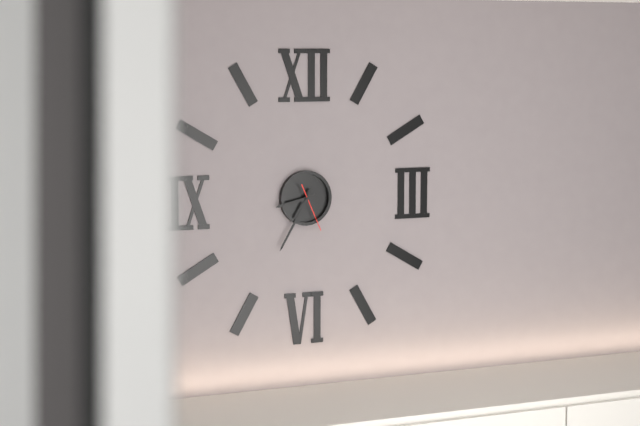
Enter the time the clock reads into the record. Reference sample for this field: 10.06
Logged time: 8.35
